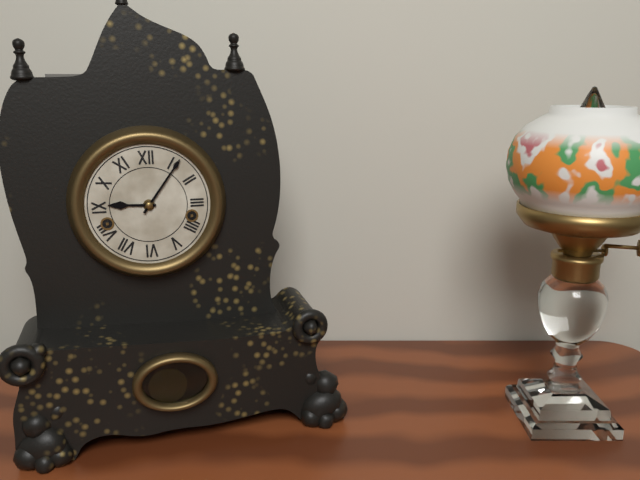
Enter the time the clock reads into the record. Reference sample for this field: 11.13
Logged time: 9.06
